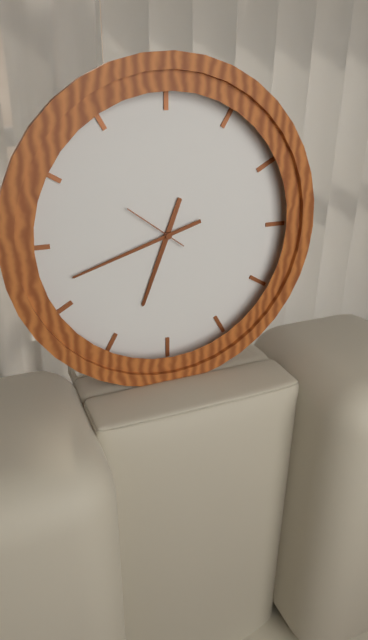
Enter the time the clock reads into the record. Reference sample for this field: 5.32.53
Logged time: 6.42.51
